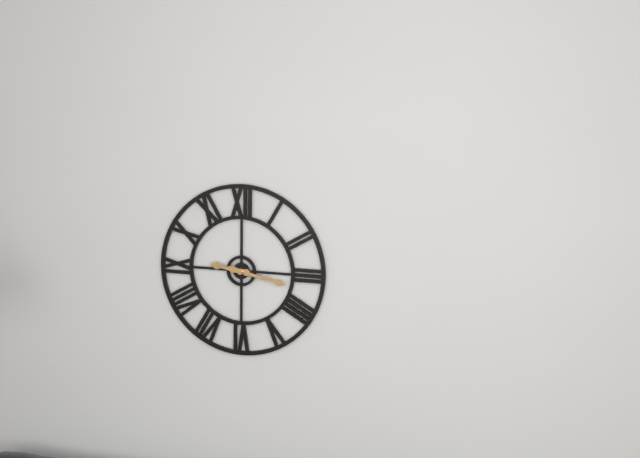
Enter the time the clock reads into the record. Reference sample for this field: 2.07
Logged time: 9.17
